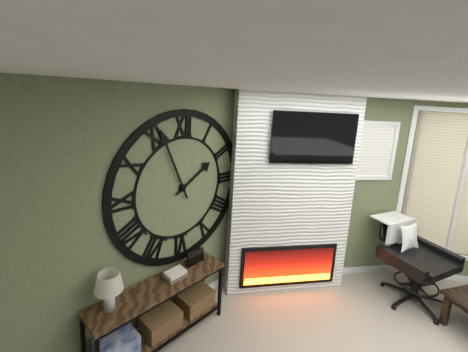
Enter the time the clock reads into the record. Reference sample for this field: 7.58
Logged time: 1.56
